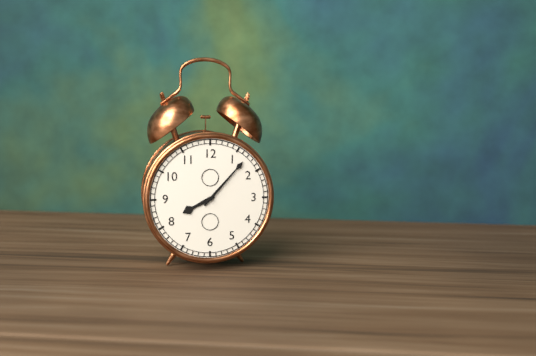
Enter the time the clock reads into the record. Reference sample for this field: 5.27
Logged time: 8.07
